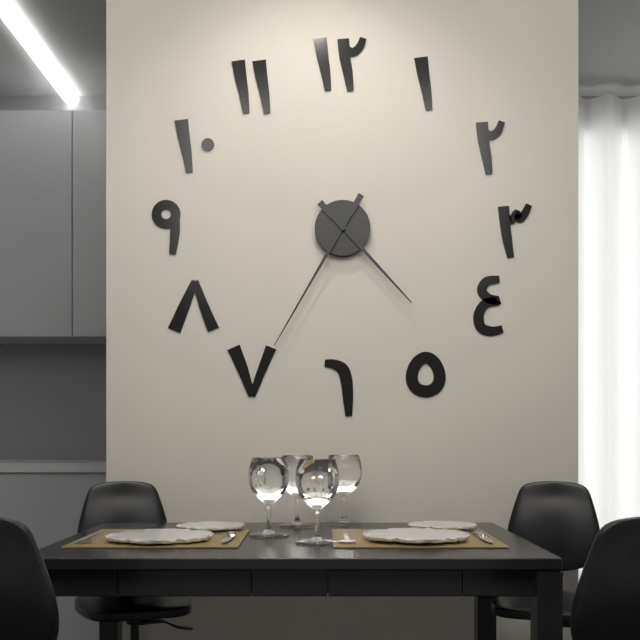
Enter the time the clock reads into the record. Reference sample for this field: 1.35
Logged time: 4.35
